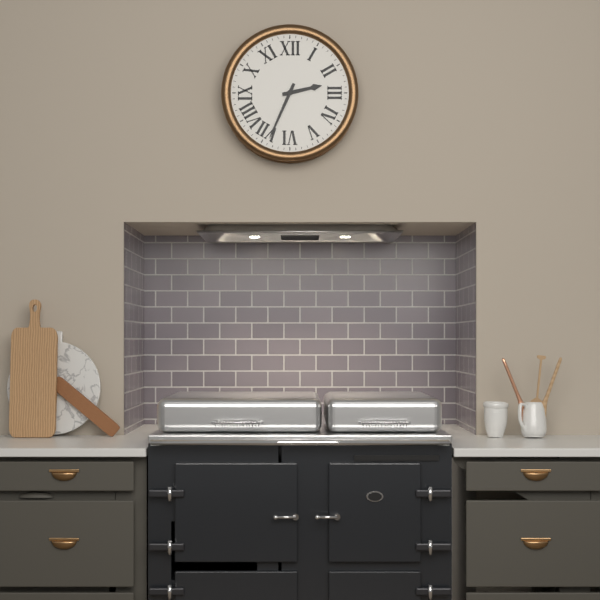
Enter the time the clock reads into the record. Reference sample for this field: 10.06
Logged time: 2.34
